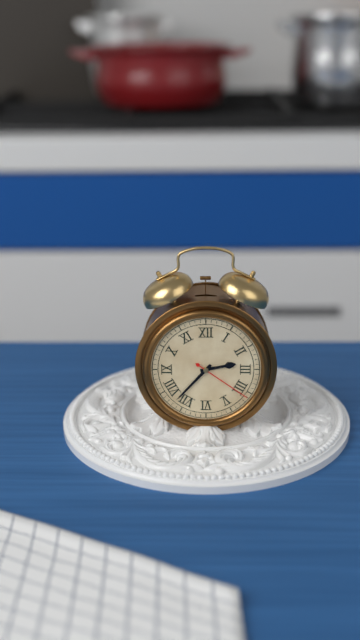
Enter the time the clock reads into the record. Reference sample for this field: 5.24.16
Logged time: 2.37.21
